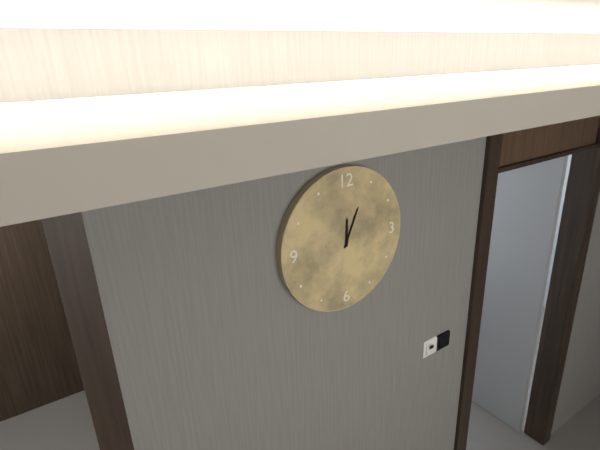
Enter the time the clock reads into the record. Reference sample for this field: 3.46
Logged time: 12.04
